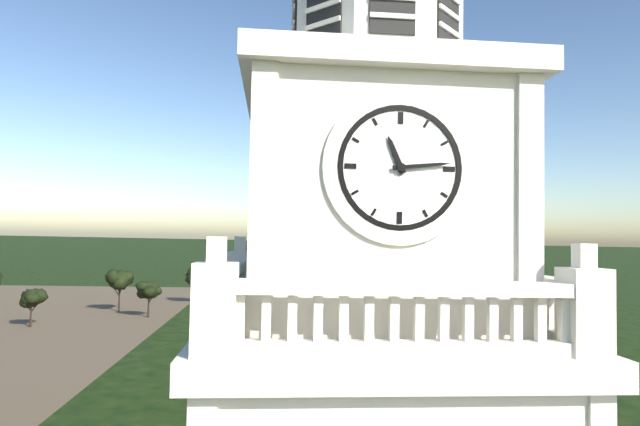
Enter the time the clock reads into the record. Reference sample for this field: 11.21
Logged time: 11.14
